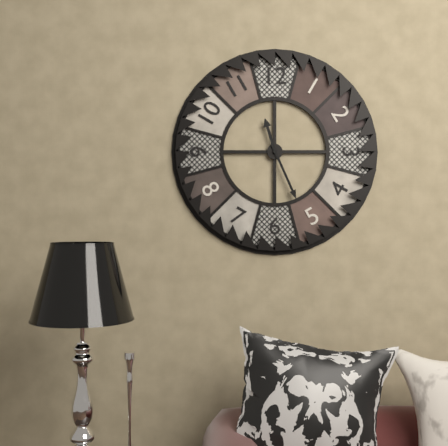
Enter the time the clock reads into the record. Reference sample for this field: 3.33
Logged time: 11.26
